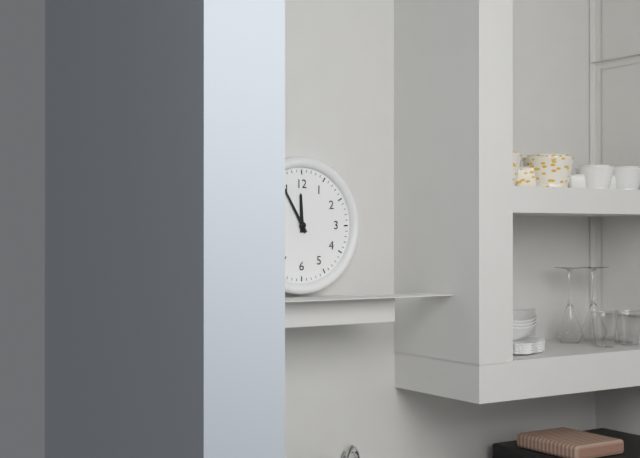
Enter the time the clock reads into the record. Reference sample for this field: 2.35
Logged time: 11.55
